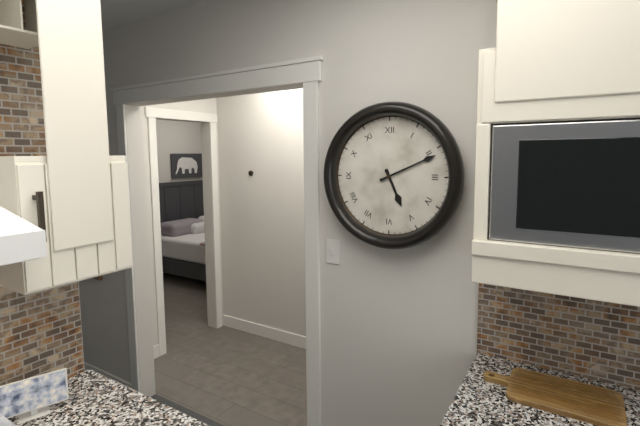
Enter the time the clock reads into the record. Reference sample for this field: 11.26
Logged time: 5.11
